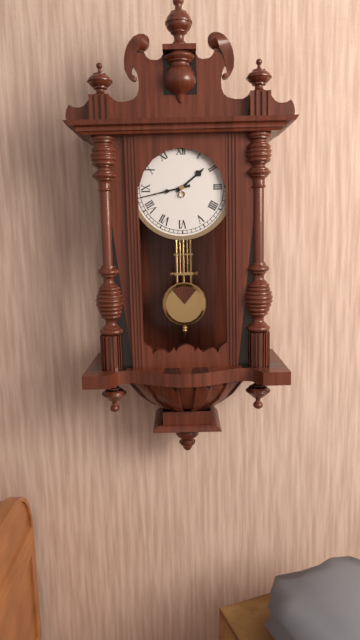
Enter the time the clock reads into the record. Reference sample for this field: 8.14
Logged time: 1.43
